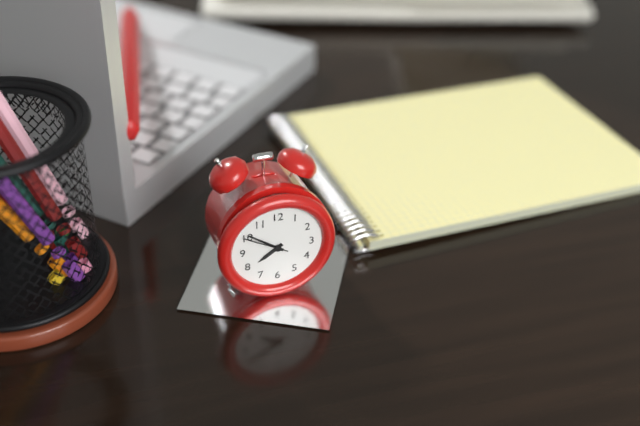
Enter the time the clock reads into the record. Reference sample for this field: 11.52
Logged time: 7.51
